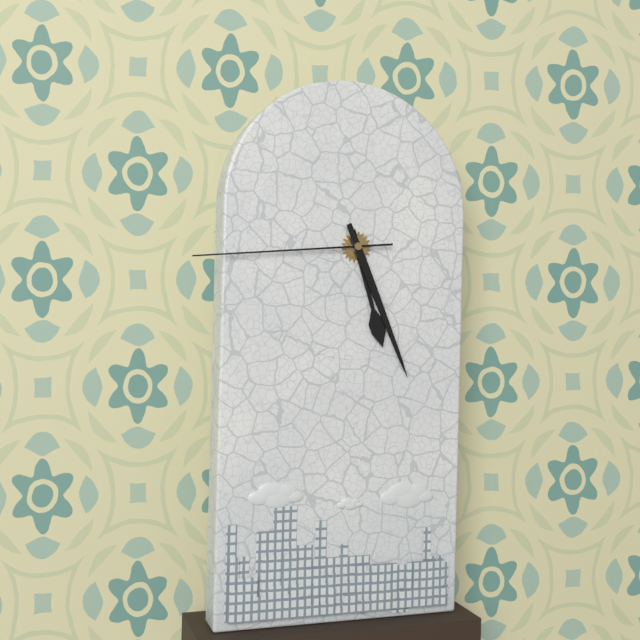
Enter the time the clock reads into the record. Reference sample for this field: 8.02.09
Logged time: 5.26.44
